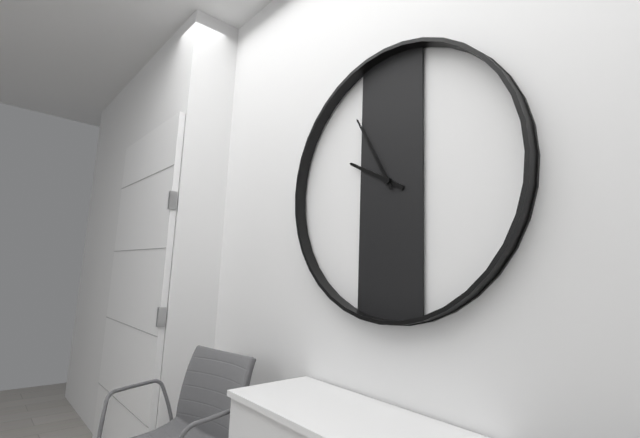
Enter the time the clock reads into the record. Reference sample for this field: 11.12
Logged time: 9.55
